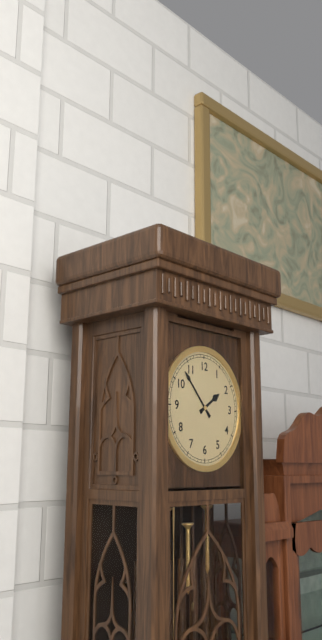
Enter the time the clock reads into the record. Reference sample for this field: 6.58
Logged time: 1.53
